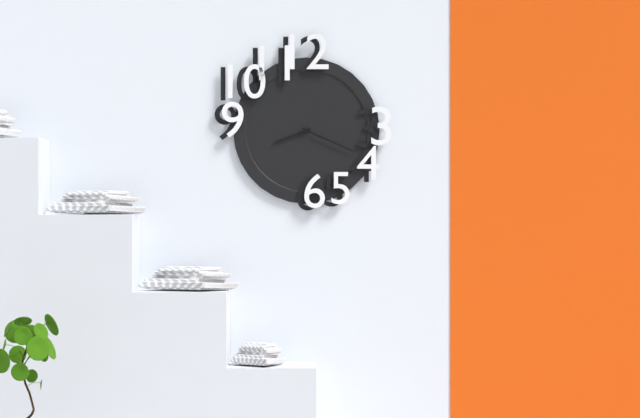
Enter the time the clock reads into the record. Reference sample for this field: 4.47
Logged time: 8.19
